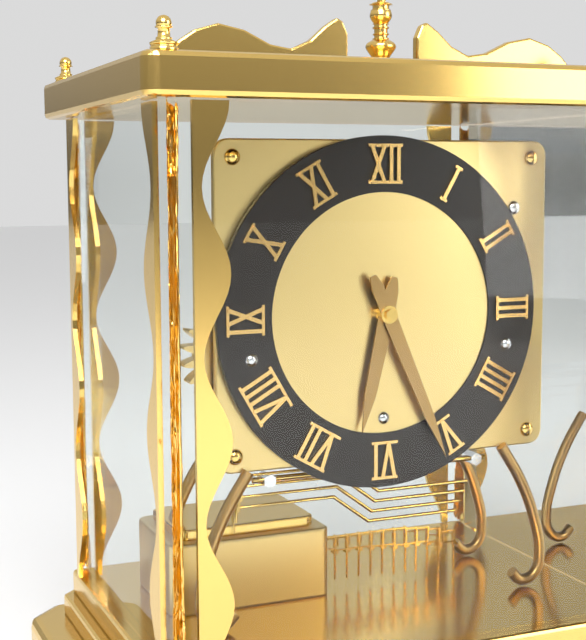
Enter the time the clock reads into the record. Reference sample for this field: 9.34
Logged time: 6.26
